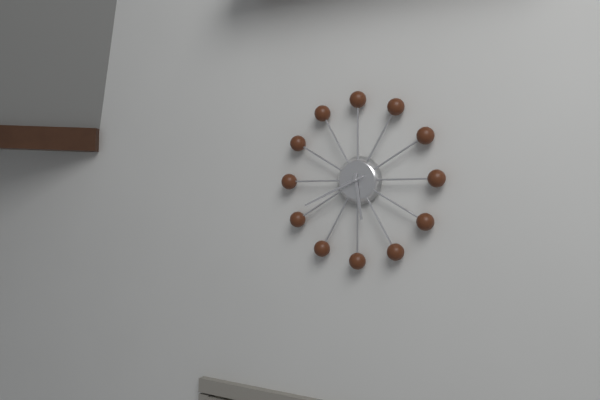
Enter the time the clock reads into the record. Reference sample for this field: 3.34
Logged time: 5.41
